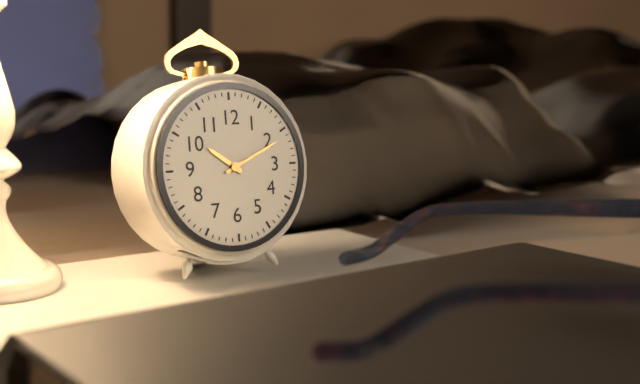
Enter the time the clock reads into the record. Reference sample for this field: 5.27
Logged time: 10.11
